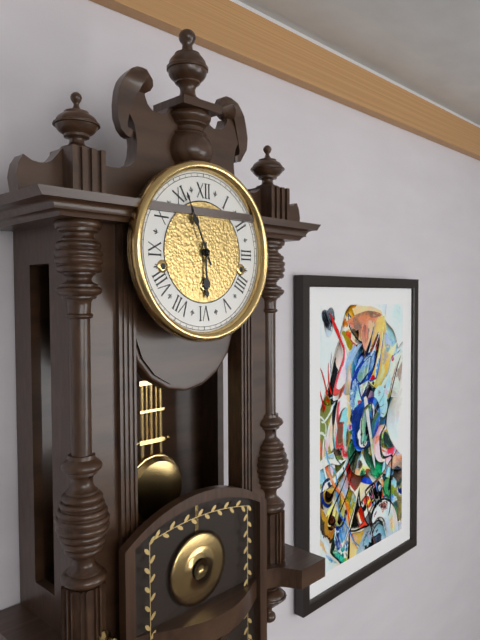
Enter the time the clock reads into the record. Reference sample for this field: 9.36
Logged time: 5.56
